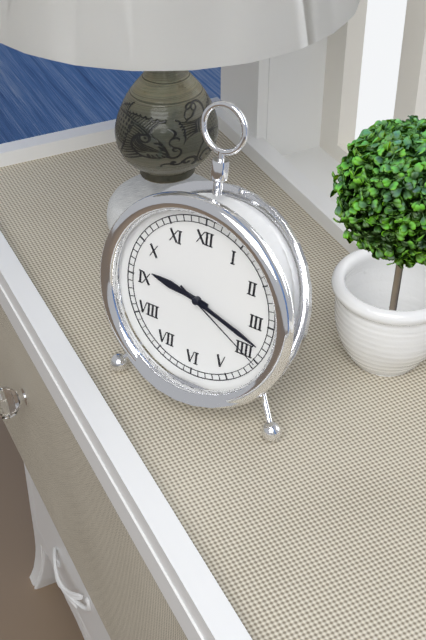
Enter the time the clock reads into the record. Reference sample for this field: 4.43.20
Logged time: 9.18.20
